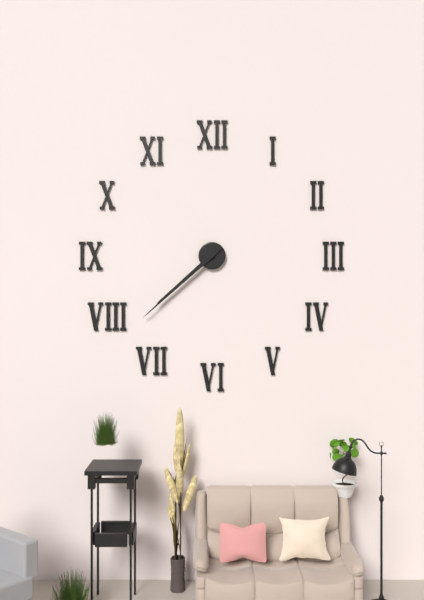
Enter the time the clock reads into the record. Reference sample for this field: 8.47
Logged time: 7.38
